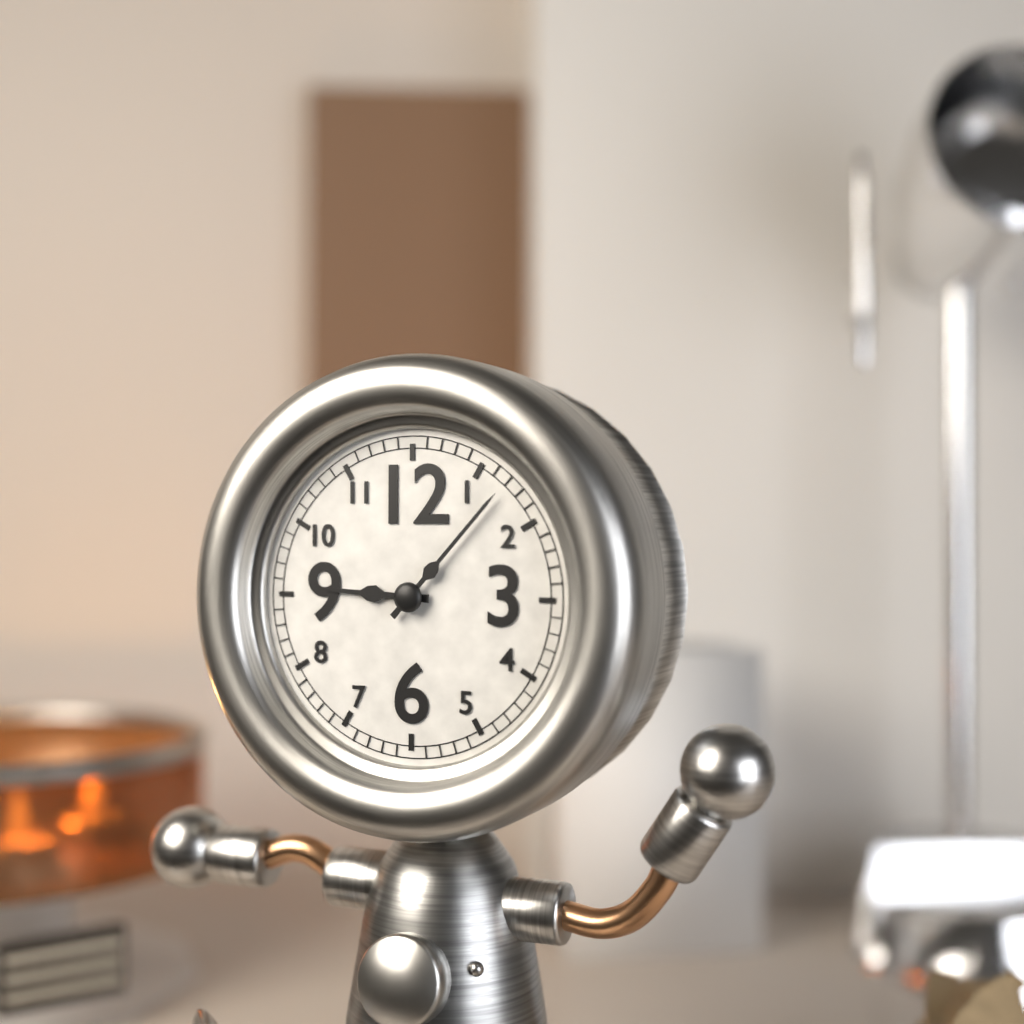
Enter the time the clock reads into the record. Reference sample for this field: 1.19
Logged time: 9.07
